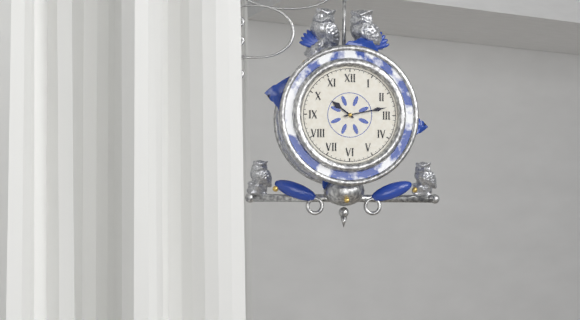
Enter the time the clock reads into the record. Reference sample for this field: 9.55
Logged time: 10.13
